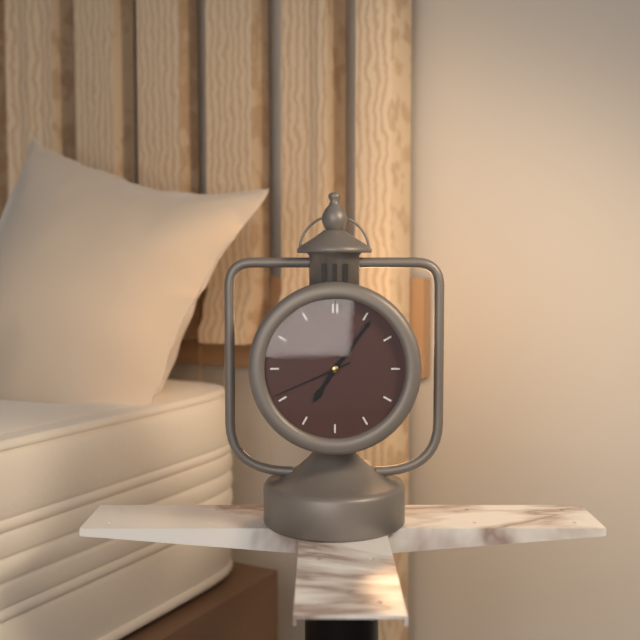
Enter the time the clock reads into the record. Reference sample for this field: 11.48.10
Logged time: 7.06.41
